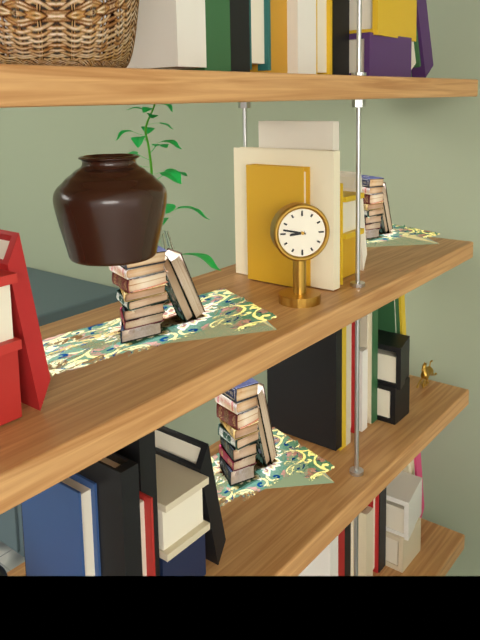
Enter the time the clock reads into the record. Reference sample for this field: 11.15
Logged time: 8.47
